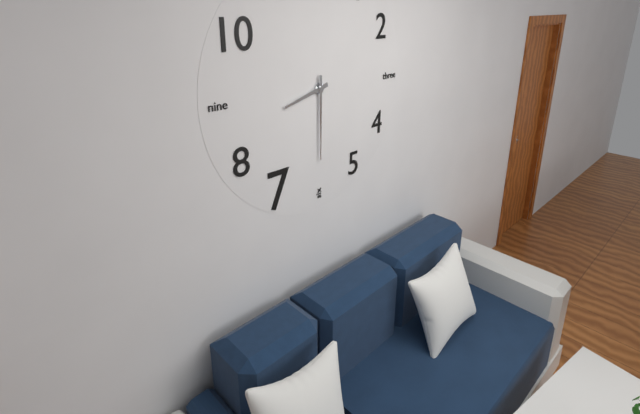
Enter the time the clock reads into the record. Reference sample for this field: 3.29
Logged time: 8.30
